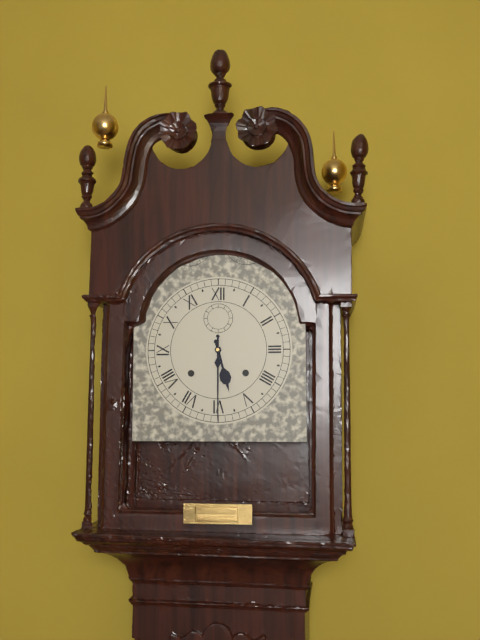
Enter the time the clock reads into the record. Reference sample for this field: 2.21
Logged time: 5.30
